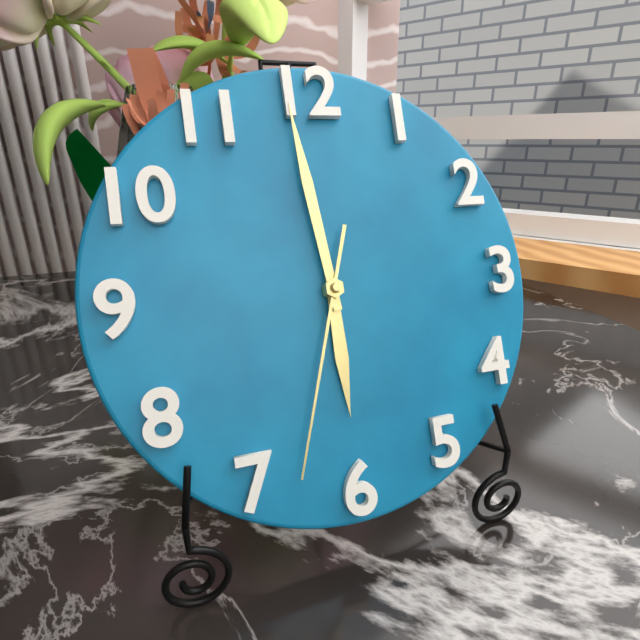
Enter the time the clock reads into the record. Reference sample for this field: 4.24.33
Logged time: 5.59.33
